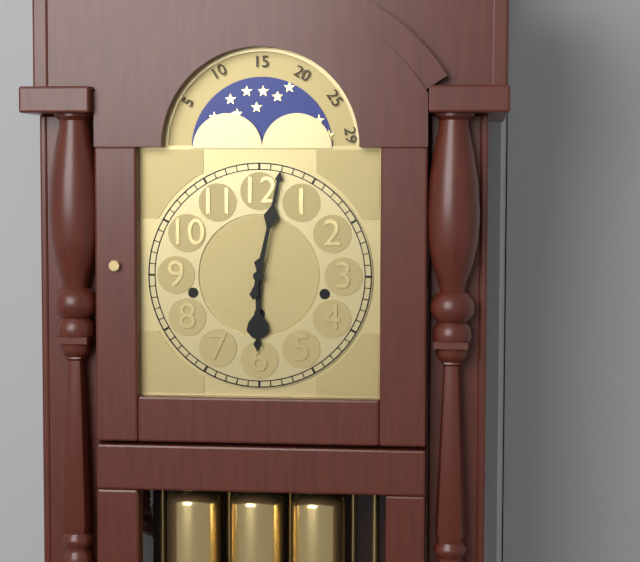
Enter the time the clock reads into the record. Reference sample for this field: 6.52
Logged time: 6.02
